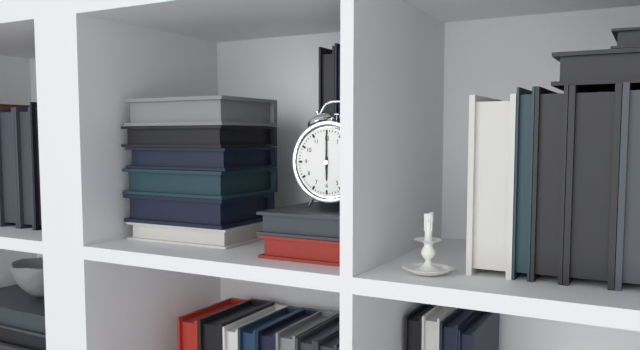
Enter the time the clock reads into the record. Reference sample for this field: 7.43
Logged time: 6.00
